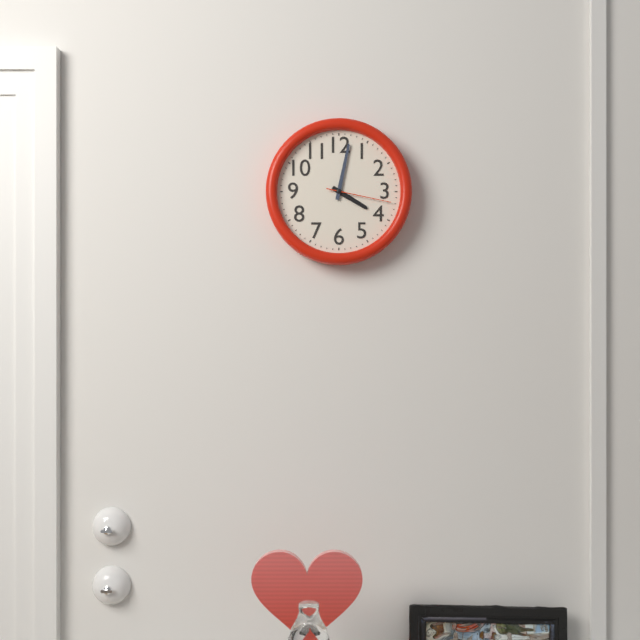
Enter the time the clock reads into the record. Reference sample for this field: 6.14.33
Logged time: 4.02.17
